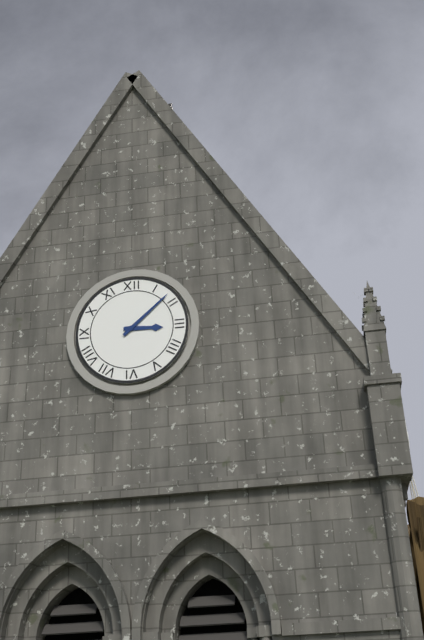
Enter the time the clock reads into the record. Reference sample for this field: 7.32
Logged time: 3.08
